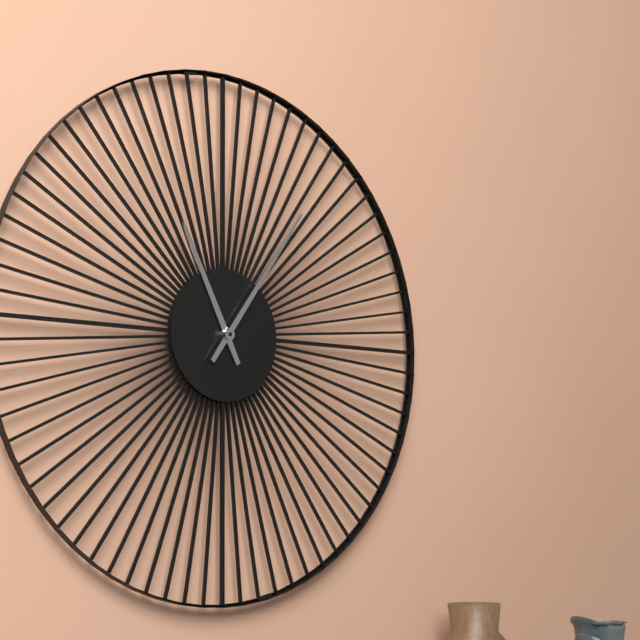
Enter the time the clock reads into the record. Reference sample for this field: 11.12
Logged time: 11.06
